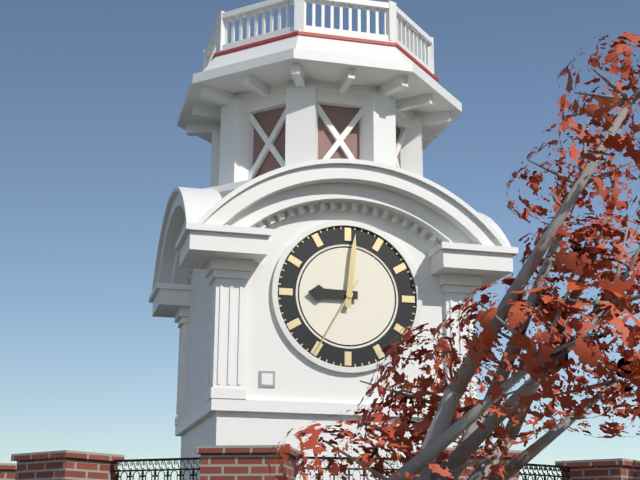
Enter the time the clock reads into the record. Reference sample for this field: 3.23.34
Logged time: 9.01.35
